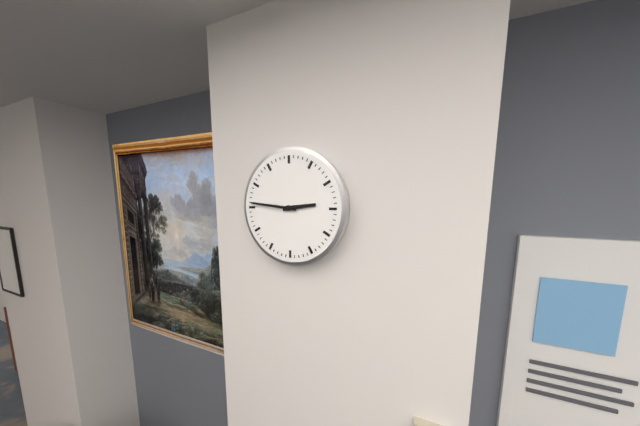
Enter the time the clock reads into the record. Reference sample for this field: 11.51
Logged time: 2.46
